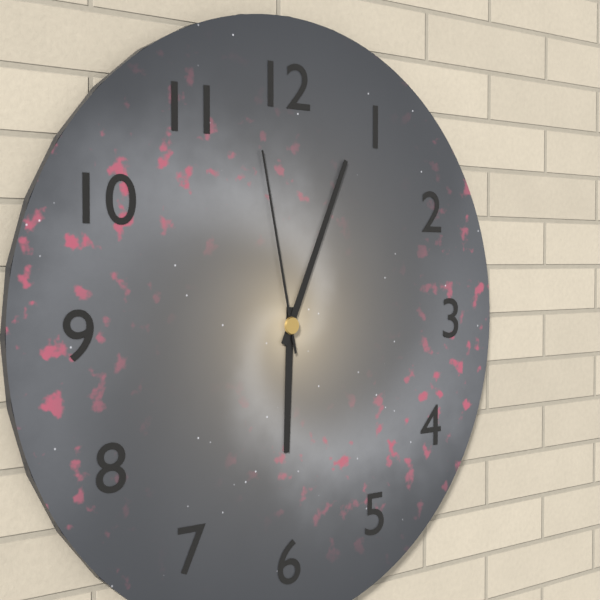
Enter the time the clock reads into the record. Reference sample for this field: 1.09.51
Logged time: 6.04.58
